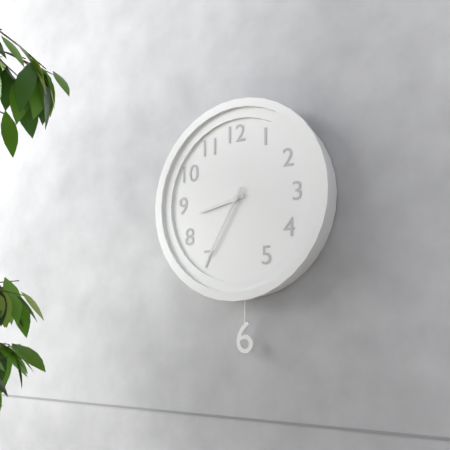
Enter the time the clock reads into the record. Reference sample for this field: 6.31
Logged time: 8.35
